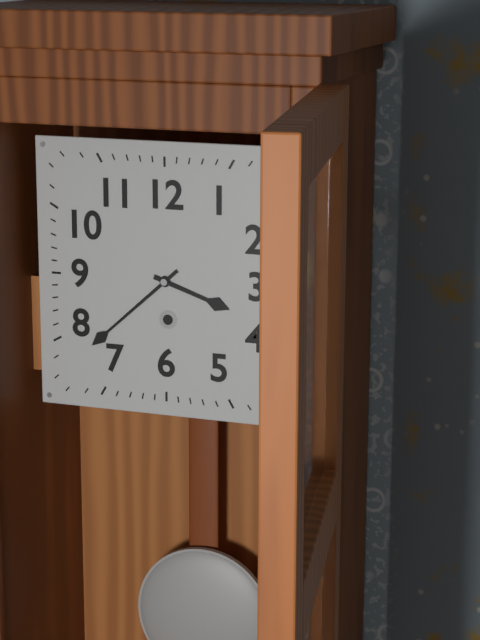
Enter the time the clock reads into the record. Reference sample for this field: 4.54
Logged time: 3.38
